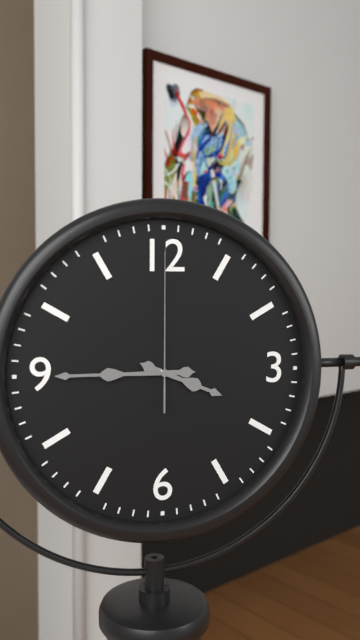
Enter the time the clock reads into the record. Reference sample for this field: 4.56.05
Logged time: 3.45.00
